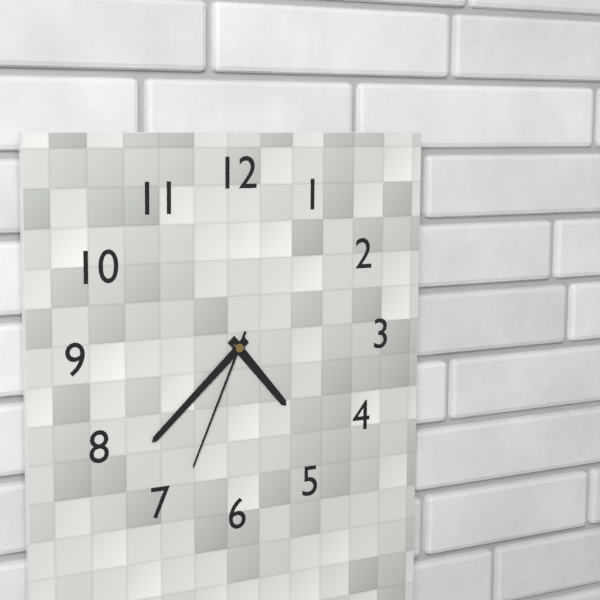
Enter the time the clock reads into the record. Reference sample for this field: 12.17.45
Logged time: 4.38.34
